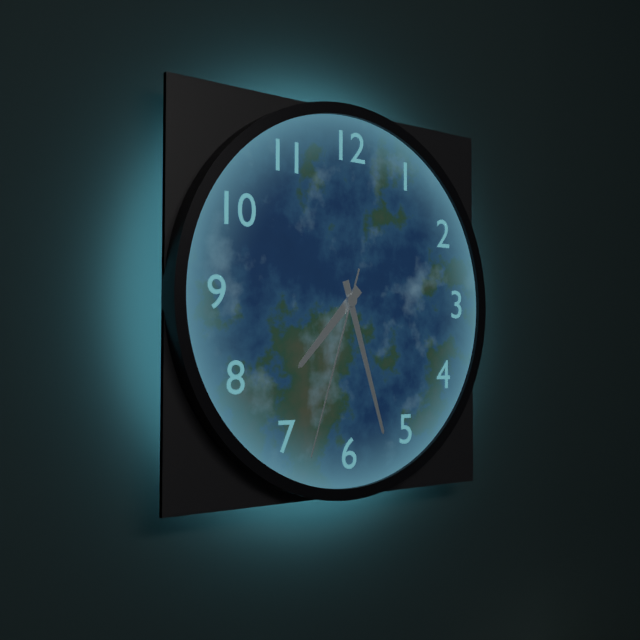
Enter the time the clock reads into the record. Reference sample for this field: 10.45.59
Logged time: 7.27.33
